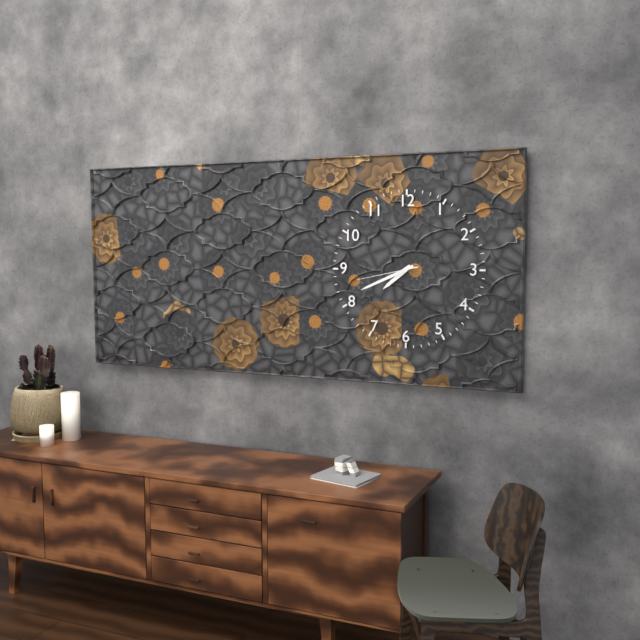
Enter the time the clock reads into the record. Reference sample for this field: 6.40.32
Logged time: 7.41.43
